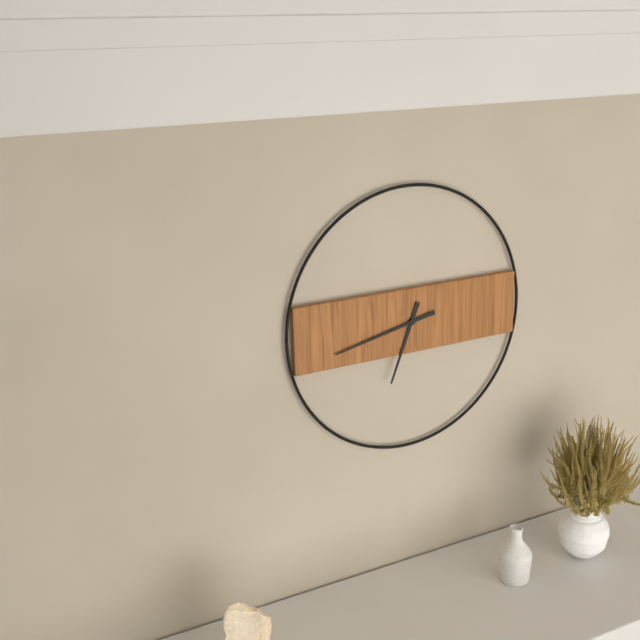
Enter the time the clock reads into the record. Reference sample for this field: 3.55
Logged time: 6.43
